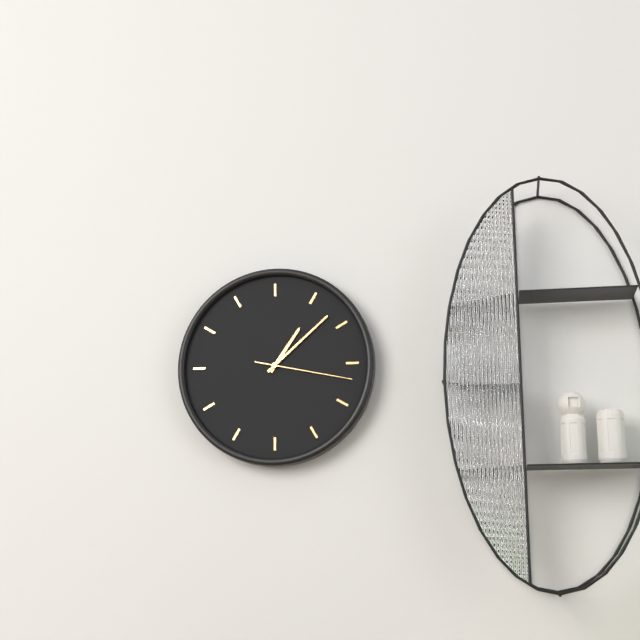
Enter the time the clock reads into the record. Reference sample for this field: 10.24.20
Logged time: 1.08.17
